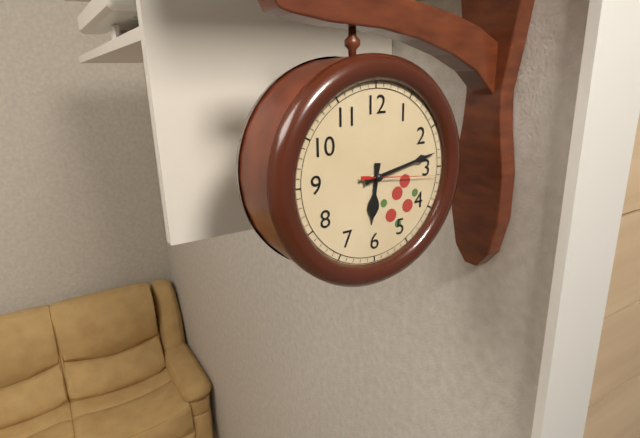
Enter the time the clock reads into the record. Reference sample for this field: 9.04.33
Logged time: 6.13.16
